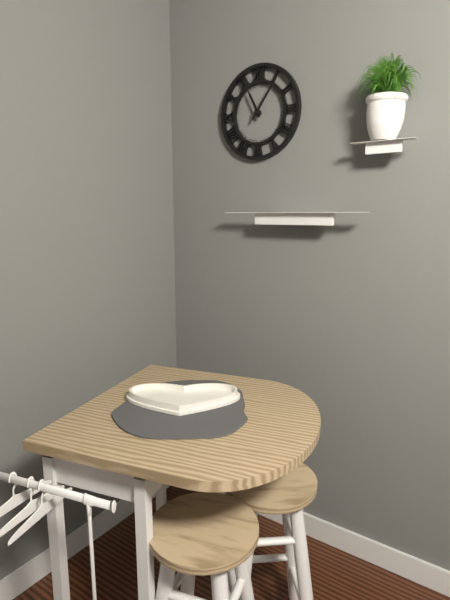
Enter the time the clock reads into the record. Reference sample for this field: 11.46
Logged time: 11.06
